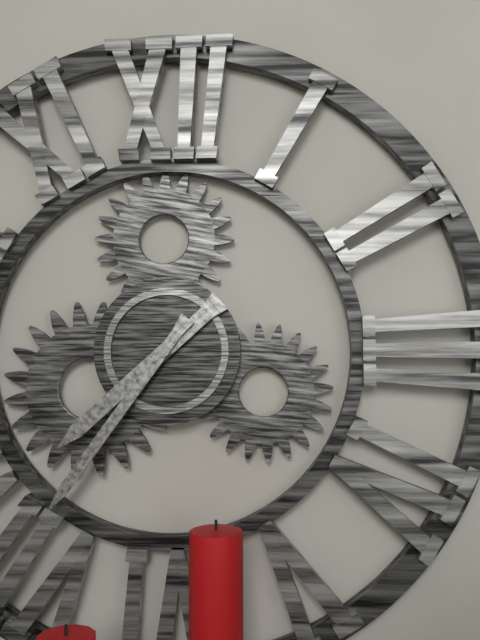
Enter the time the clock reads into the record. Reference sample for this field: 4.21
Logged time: 7.36
